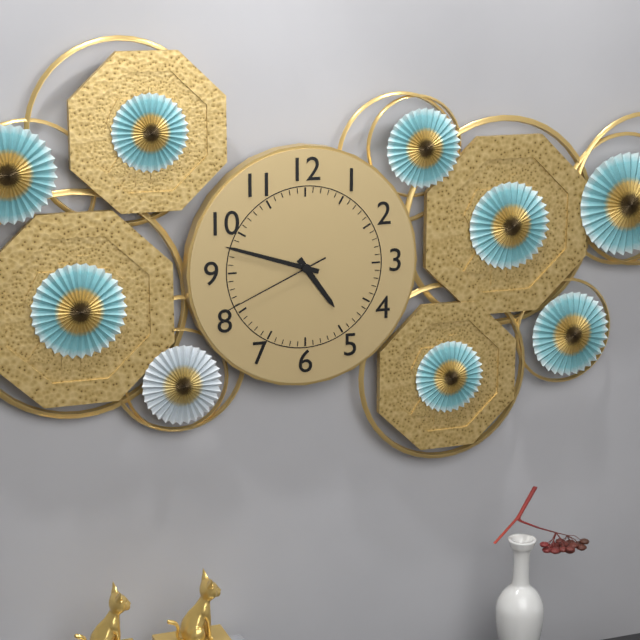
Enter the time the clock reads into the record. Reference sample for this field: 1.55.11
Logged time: 4.48.41
